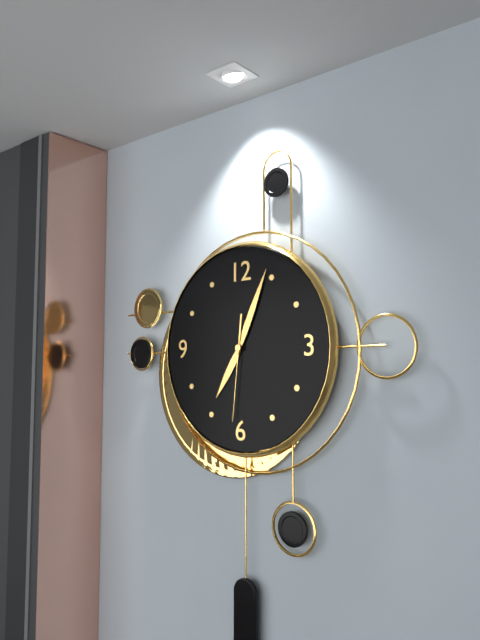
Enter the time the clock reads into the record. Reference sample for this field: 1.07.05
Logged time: 7.04.31
